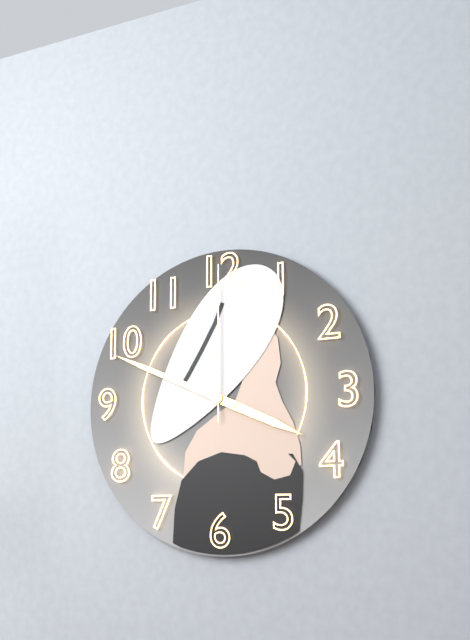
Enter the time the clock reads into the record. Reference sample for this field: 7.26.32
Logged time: 3.49.00
